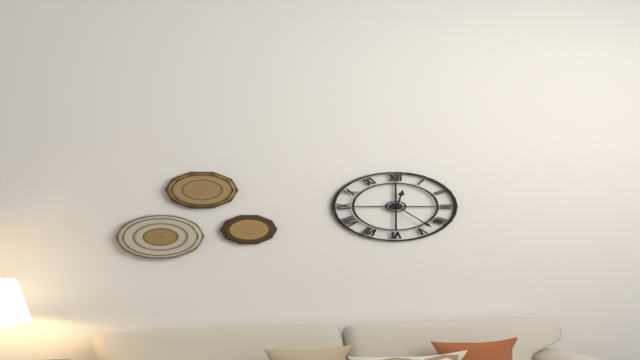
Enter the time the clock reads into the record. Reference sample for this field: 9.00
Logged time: 12.23
